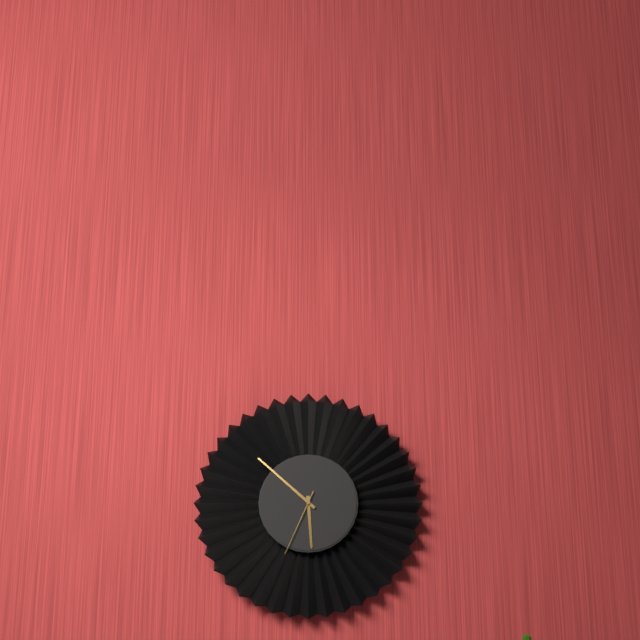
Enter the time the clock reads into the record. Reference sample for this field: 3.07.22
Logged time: 5.52.34
